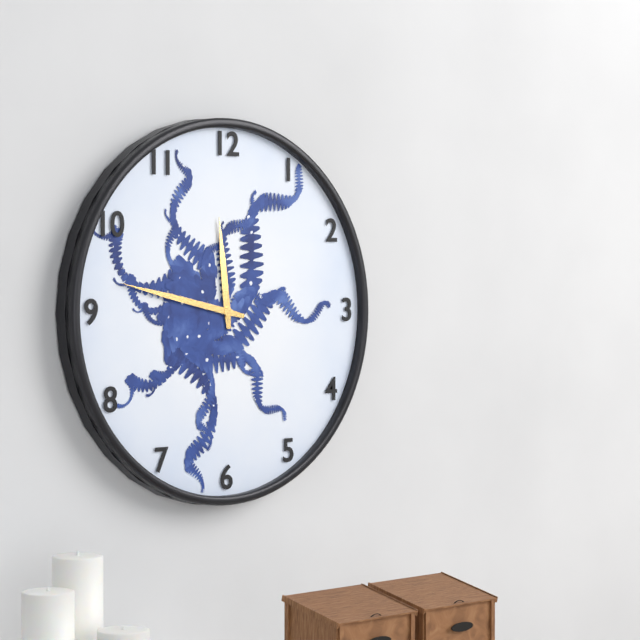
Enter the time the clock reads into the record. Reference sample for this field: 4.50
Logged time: 11.47
